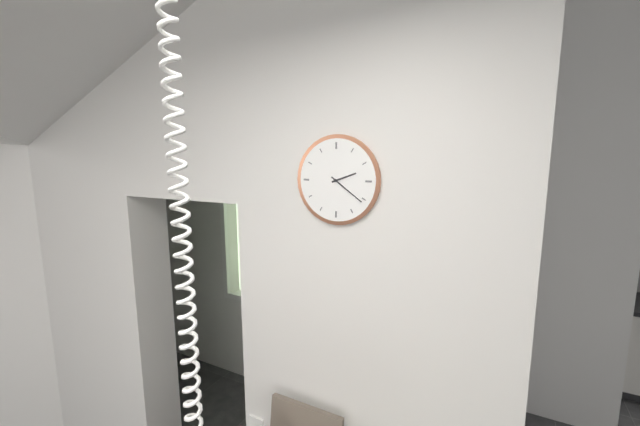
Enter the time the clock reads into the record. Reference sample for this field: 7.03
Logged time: 2.21
